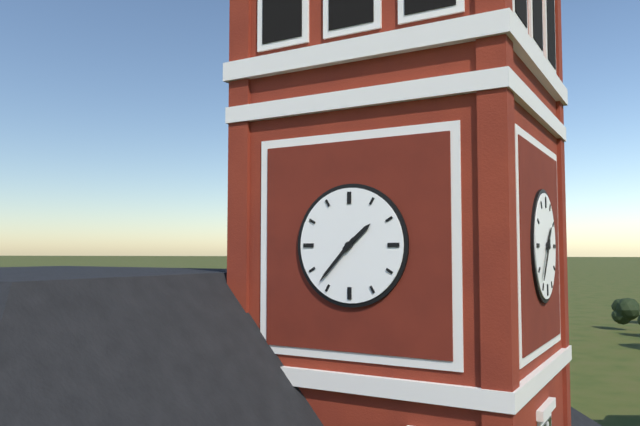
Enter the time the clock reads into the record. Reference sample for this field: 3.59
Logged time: 1.37
